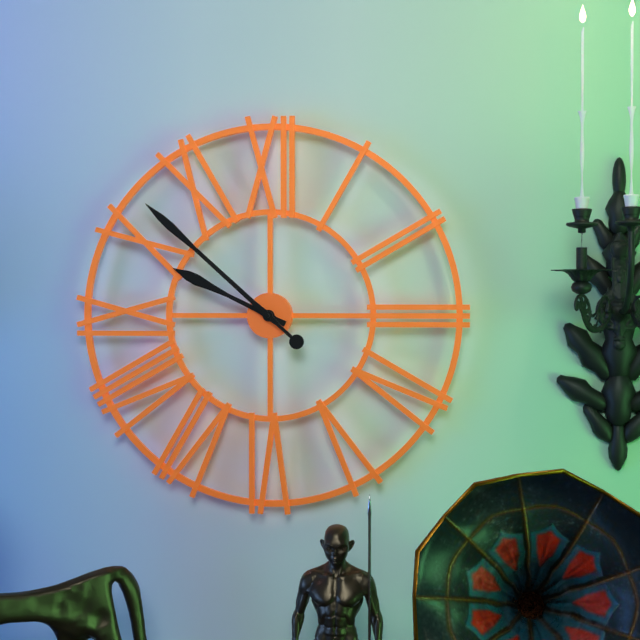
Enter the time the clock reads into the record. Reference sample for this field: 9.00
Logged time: 9.52
